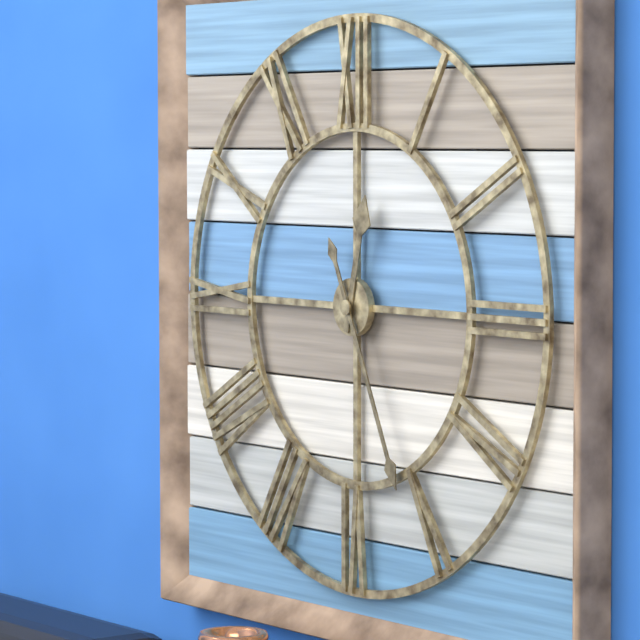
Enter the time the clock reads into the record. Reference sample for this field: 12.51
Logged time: 12.26
